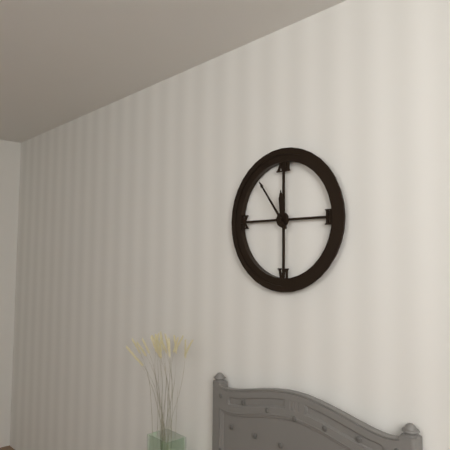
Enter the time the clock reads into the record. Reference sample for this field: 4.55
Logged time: 11.54
